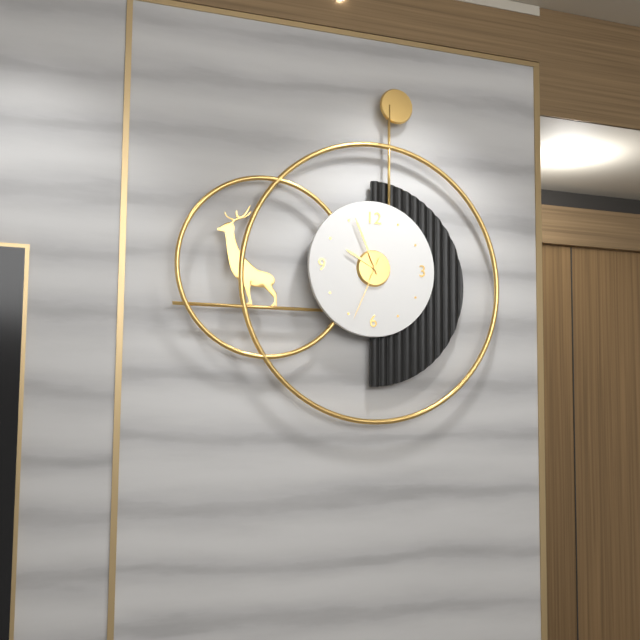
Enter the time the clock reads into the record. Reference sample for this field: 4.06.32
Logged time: 9.56.34
